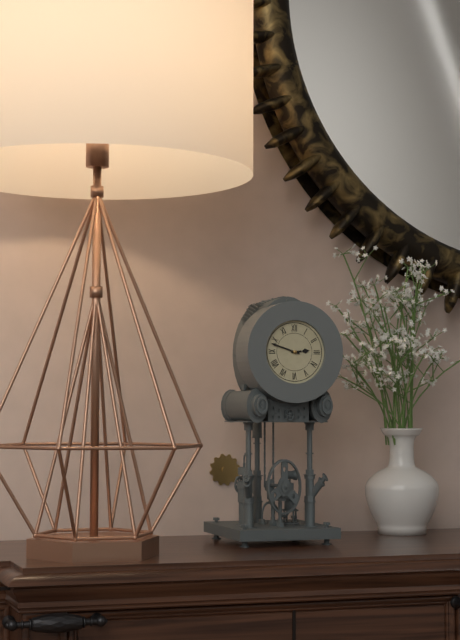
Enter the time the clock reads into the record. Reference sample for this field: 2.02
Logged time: 2.48
